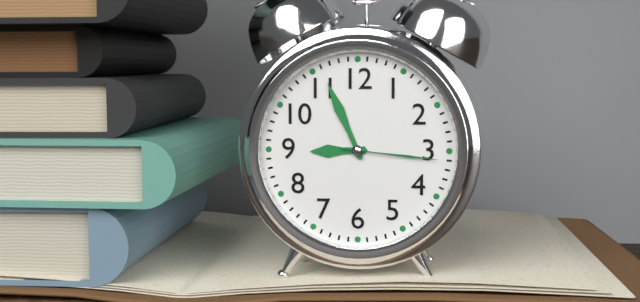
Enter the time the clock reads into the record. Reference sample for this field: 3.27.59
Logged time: 8.56.16
